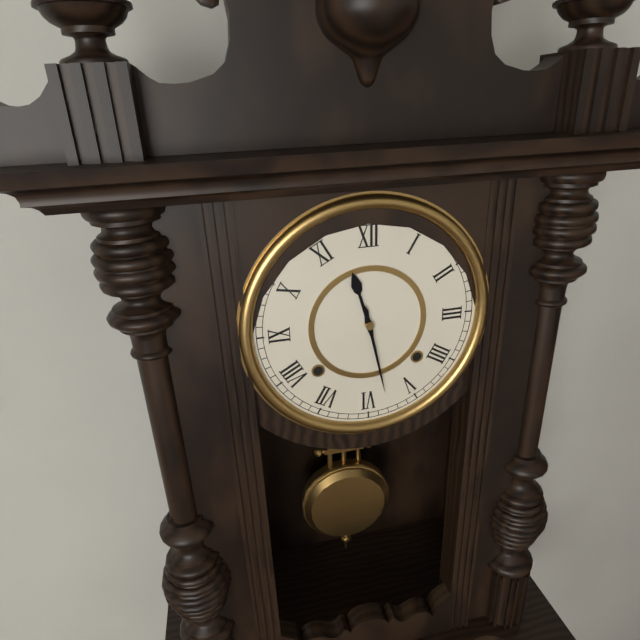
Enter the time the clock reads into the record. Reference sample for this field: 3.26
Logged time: 11.28
